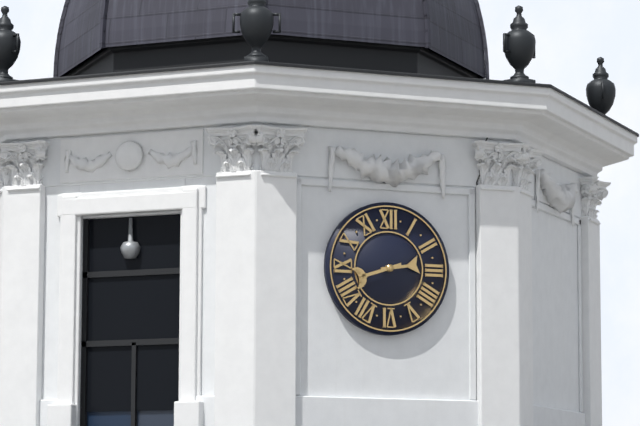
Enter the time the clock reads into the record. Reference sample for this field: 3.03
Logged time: 2.42
